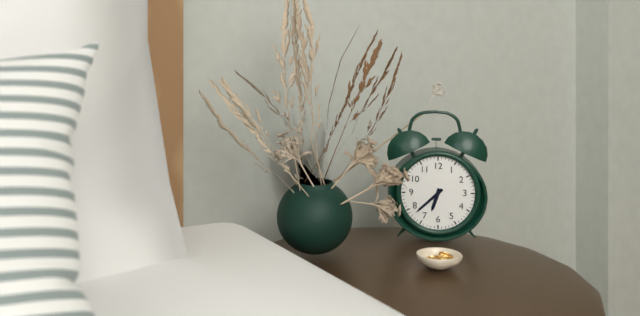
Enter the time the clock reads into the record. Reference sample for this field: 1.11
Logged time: 6.38
